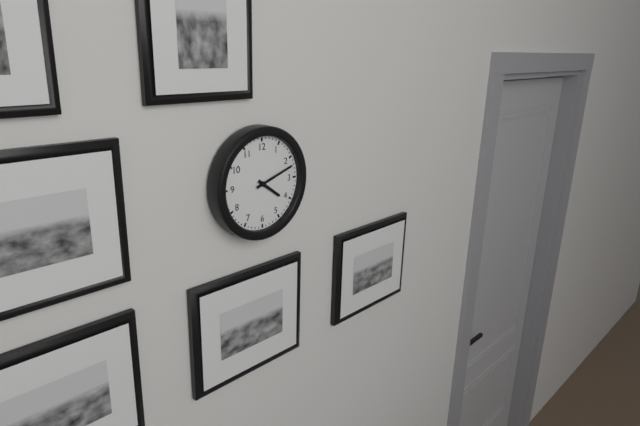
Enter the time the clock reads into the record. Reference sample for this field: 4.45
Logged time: 4.12
